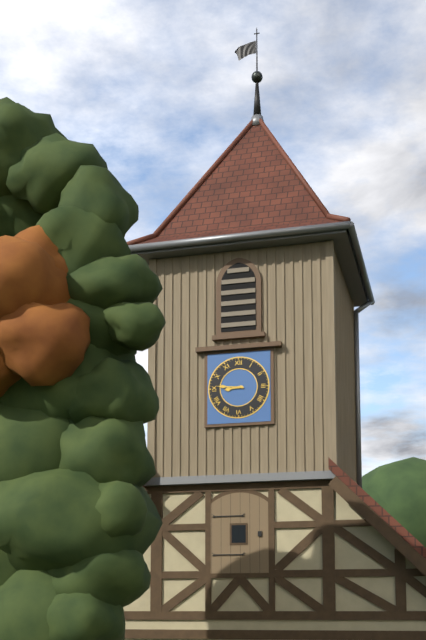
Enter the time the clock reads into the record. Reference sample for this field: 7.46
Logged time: 8.46
